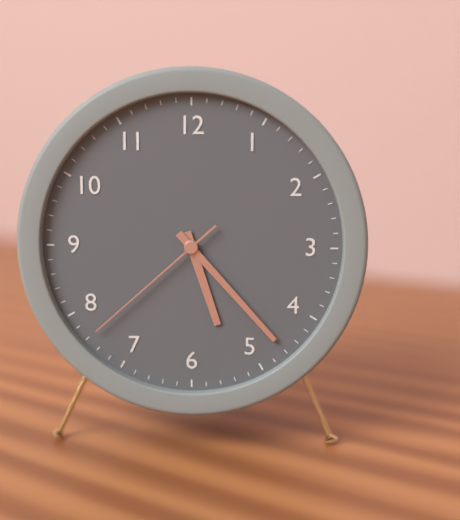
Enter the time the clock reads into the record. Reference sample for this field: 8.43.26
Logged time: 5.23.38
